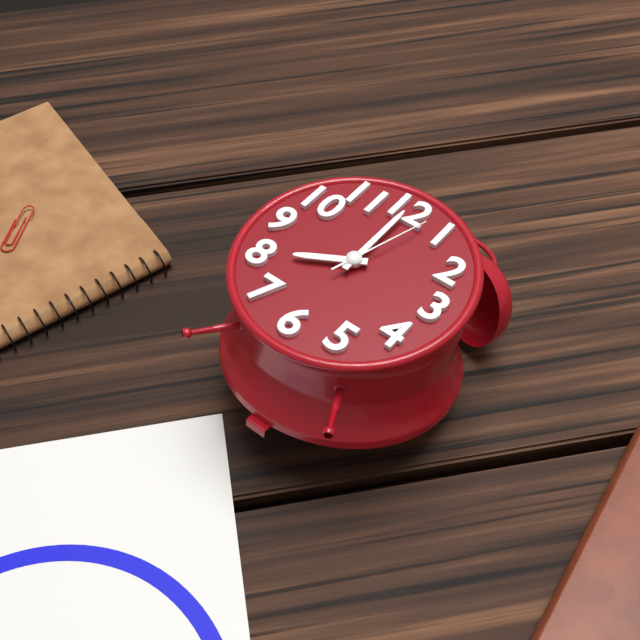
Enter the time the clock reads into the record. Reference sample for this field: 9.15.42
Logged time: 8.00.03
